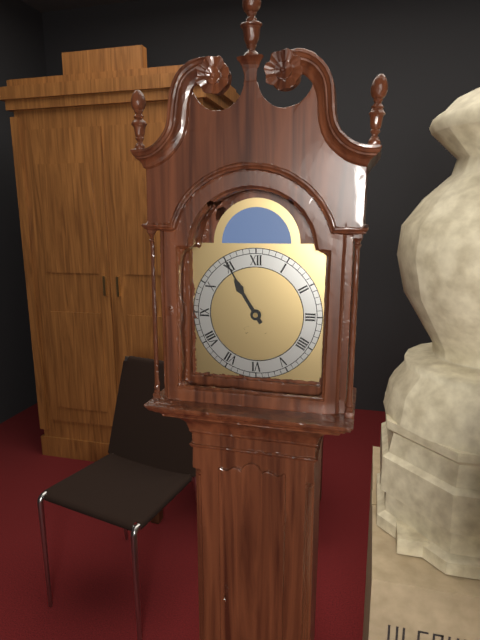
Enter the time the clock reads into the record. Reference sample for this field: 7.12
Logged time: 10.55
